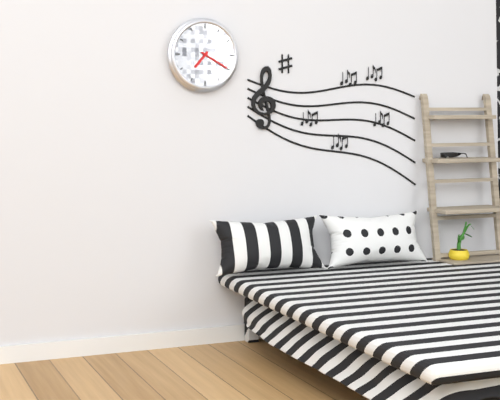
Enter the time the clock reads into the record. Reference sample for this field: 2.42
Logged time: 7.20
